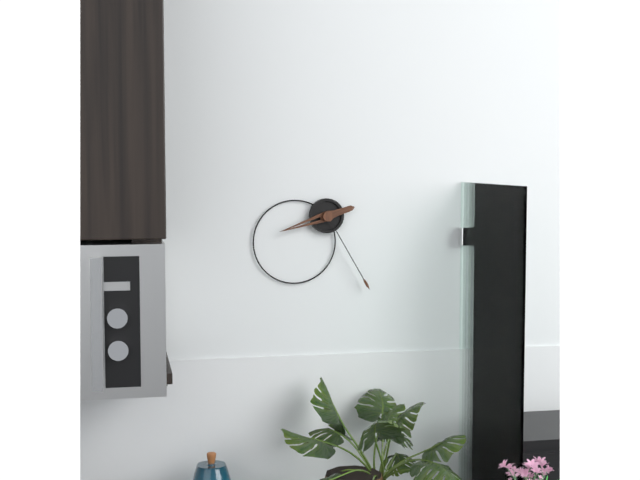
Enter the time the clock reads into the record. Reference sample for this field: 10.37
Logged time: 8.25
